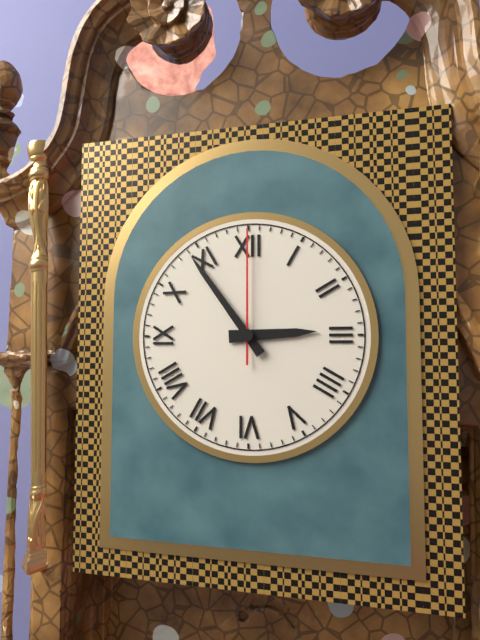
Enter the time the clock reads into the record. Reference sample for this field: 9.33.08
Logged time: 2.54.00
